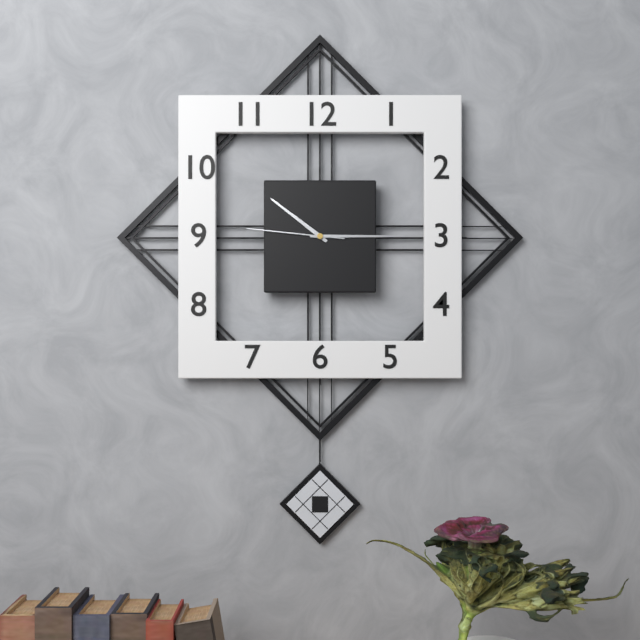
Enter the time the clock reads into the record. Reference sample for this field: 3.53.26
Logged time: 10.15.46
